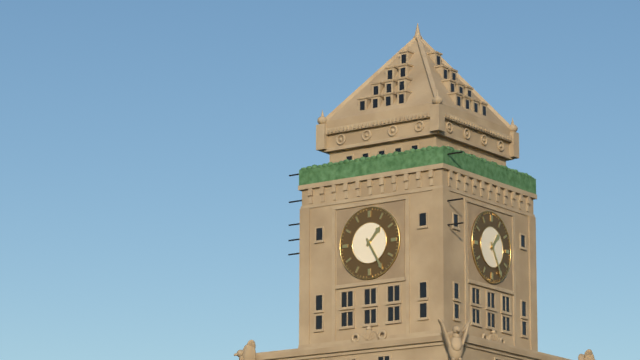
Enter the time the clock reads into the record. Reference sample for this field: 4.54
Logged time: 1.25
